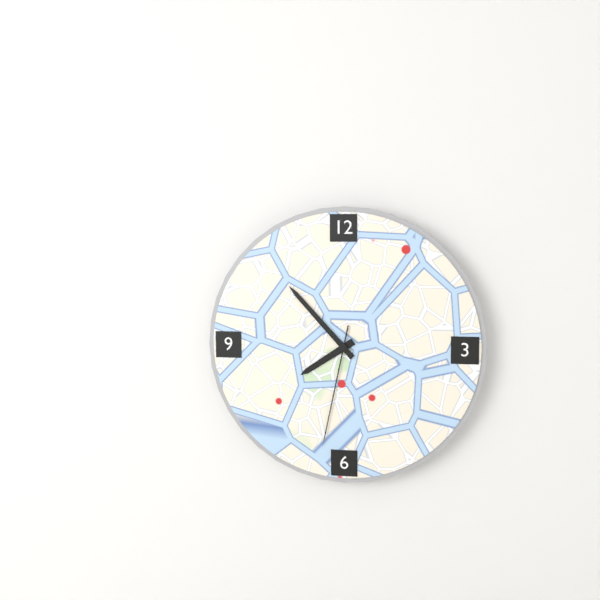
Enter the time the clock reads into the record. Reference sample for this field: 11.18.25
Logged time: 7.53.32
